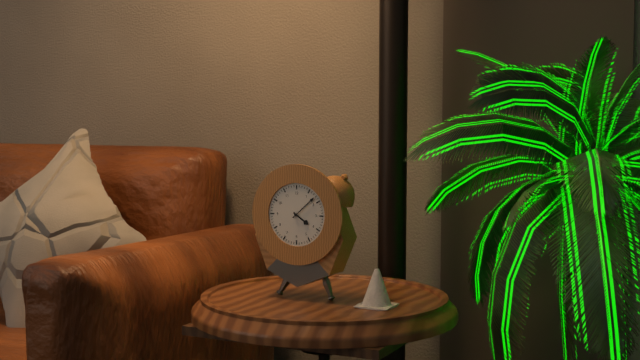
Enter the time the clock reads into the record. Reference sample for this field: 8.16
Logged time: 4.08
